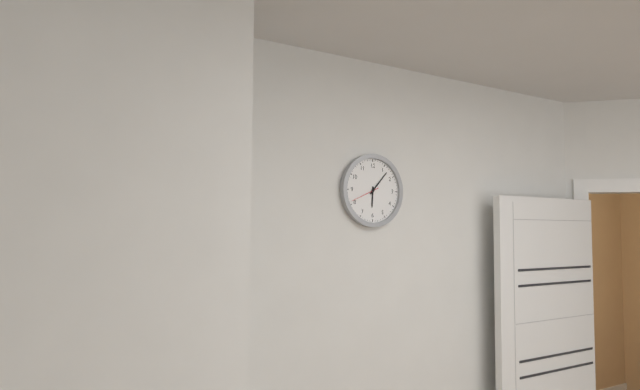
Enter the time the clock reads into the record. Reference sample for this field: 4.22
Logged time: 6.07
